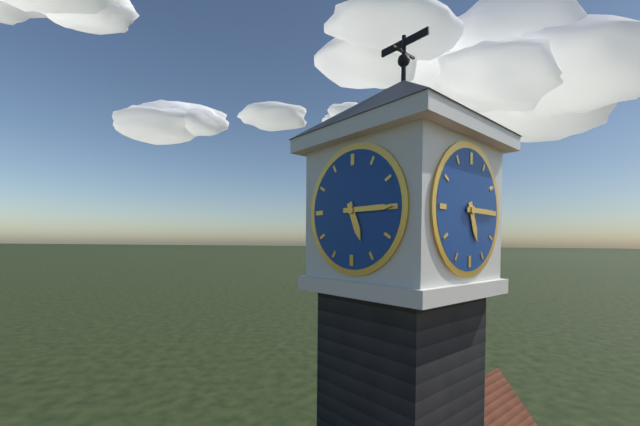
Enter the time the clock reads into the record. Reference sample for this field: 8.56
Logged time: 5.15
